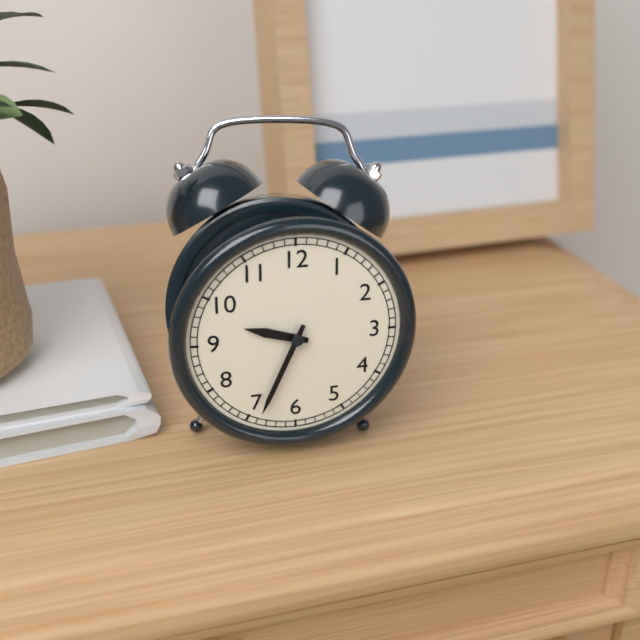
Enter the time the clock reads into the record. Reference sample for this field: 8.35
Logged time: 9.34
